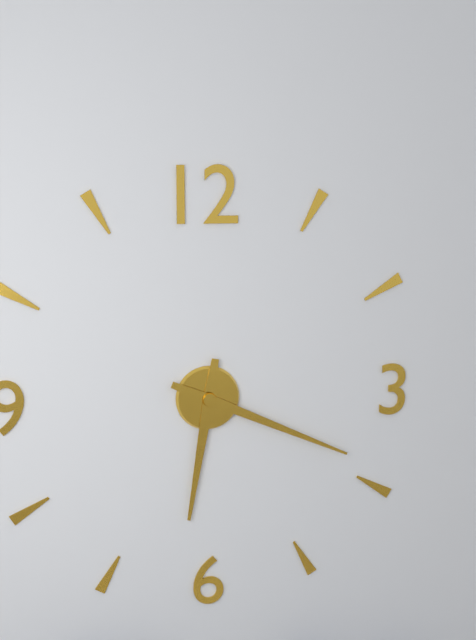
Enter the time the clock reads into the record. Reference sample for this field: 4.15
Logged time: 6.19
